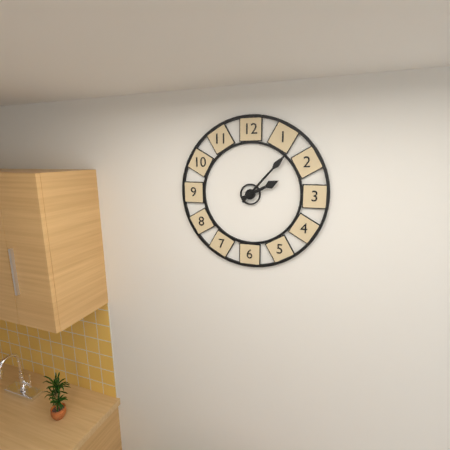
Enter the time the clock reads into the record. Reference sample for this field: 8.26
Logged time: 2.07
